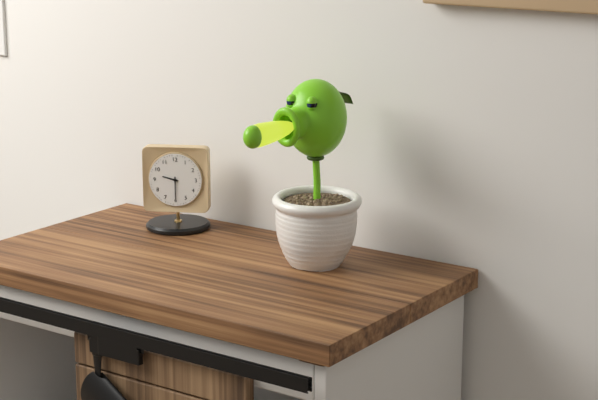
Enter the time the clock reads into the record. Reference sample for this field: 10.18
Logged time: 9.30
